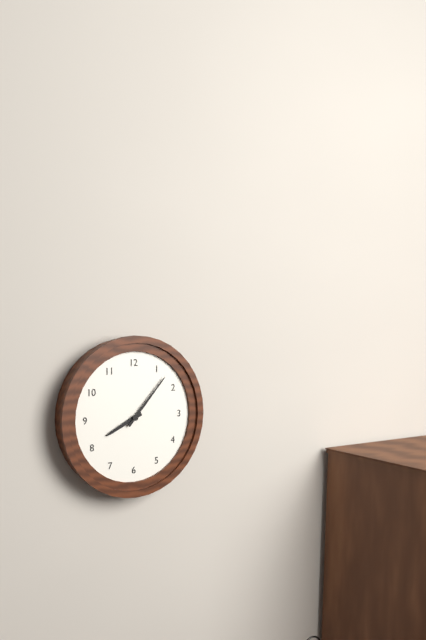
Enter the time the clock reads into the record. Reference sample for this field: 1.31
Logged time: 8.07
